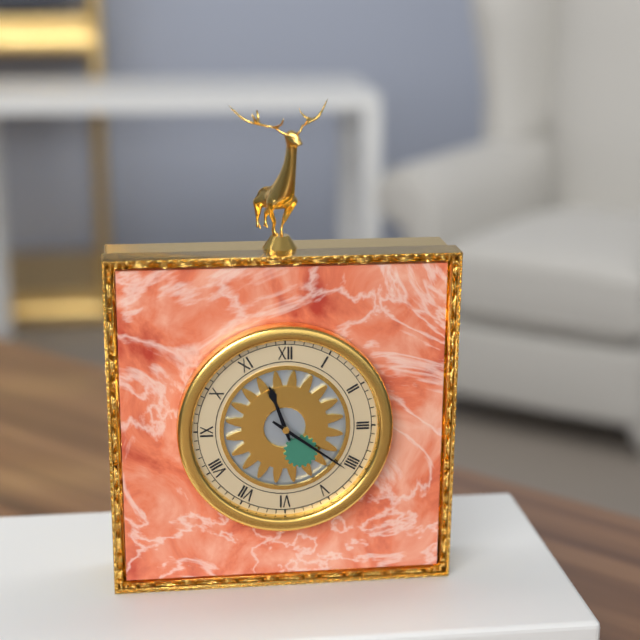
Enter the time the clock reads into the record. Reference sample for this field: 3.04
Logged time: 11.21
